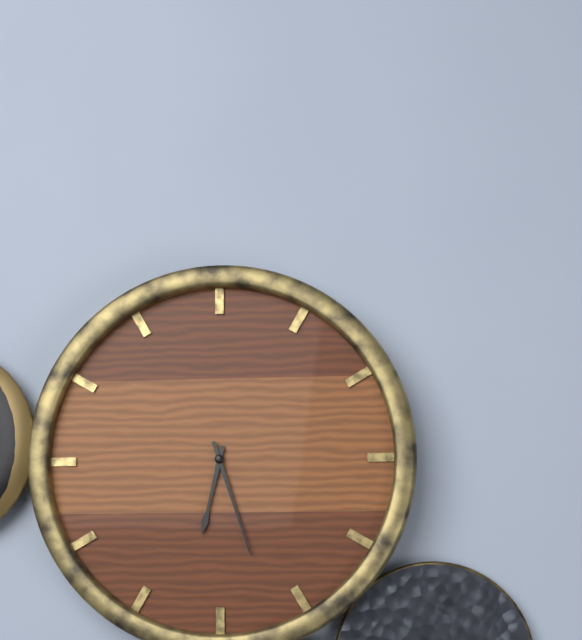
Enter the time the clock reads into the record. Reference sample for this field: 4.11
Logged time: 6.27
